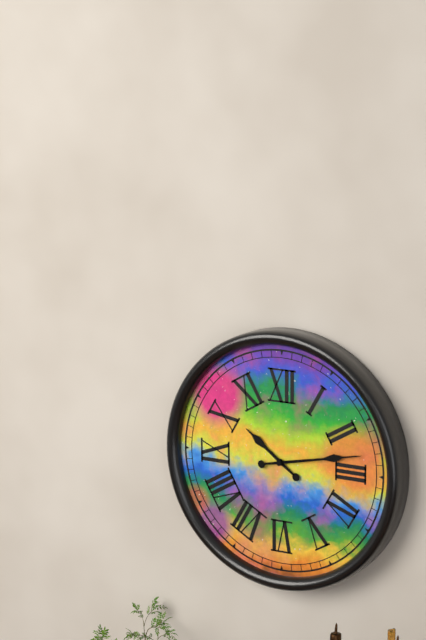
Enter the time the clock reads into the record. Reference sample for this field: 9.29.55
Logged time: 10.13.13
